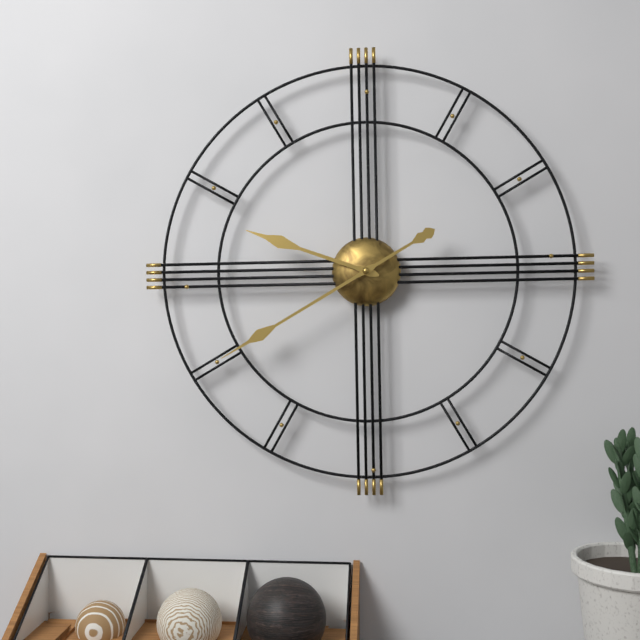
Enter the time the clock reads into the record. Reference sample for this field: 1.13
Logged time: 9.40
